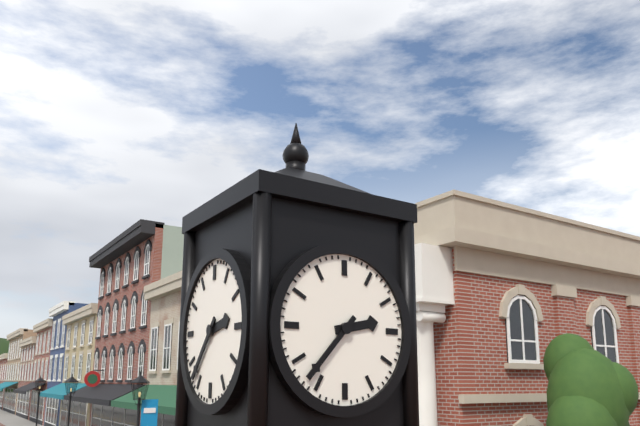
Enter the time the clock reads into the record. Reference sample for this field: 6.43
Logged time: 2.37
